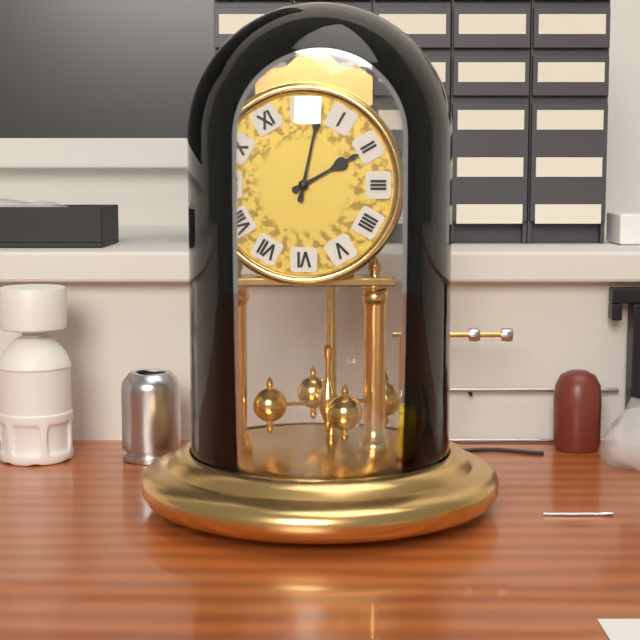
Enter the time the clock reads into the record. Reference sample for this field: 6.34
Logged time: 2.02
